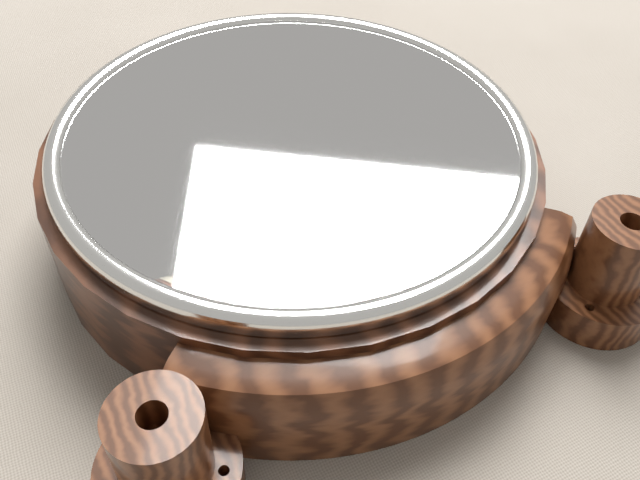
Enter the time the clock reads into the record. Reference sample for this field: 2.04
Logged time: 1.57
